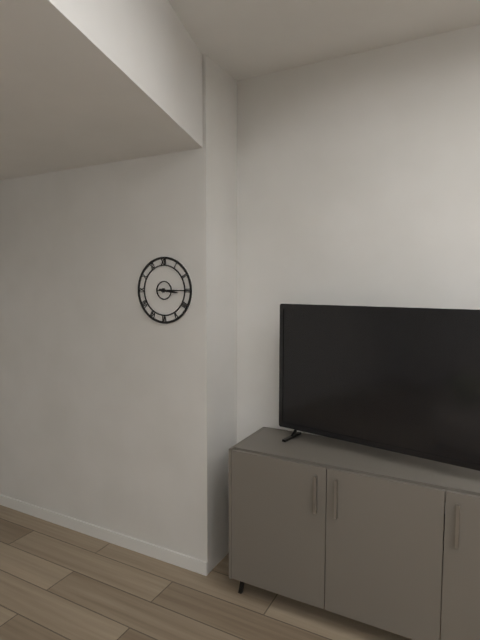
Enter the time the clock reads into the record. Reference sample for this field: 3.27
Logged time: 3.15
